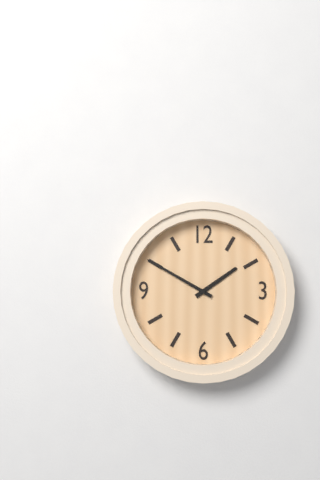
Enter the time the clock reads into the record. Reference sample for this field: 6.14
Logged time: 1.50
